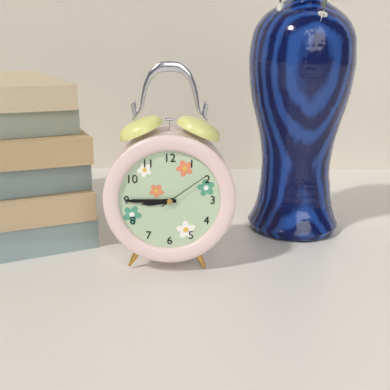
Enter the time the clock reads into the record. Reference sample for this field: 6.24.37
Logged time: 8.45.09
